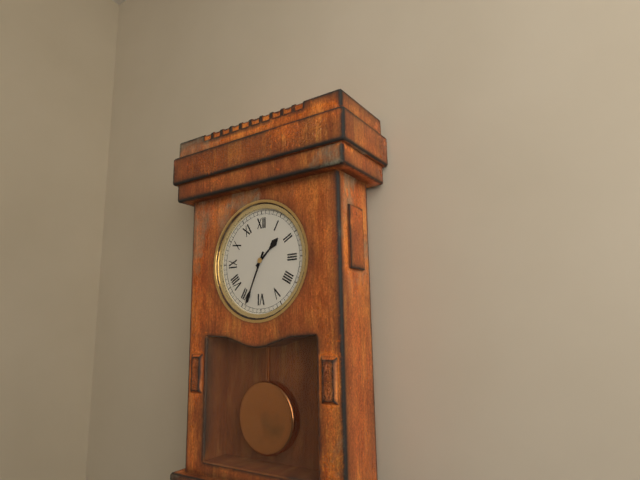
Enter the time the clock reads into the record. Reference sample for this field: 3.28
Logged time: 1.34
